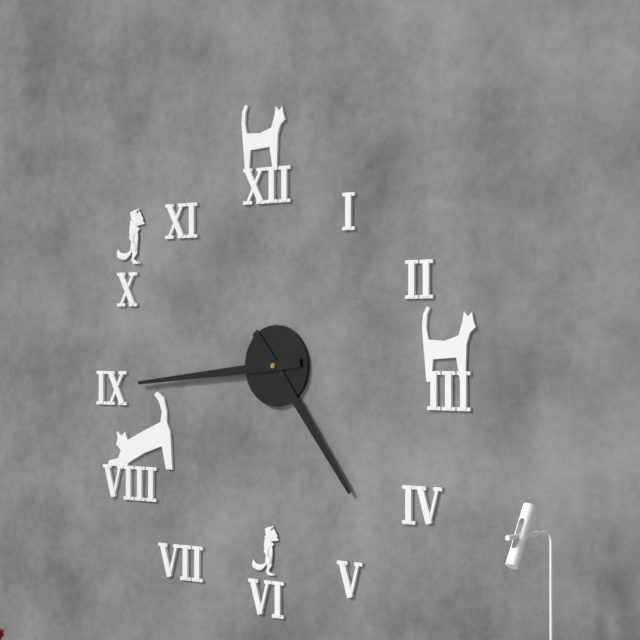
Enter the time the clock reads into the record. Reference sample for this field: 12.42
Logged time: 4.44
